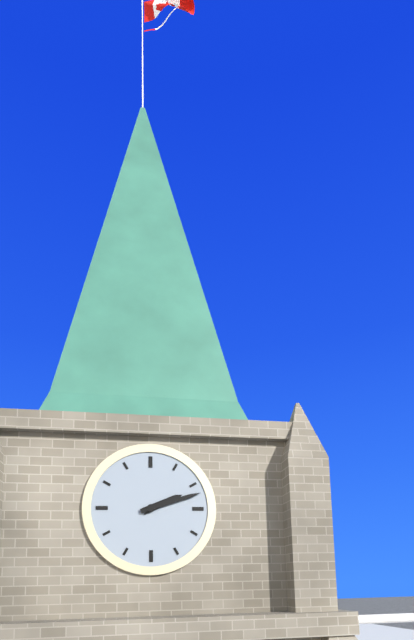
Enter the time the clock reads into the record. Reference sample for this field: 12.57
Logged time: 2.12
